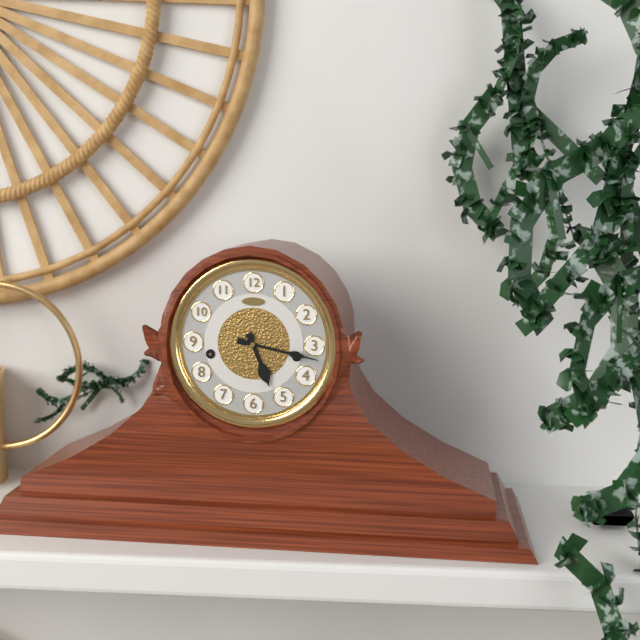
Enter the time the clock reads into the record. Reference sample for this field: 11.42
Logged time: 5.17
